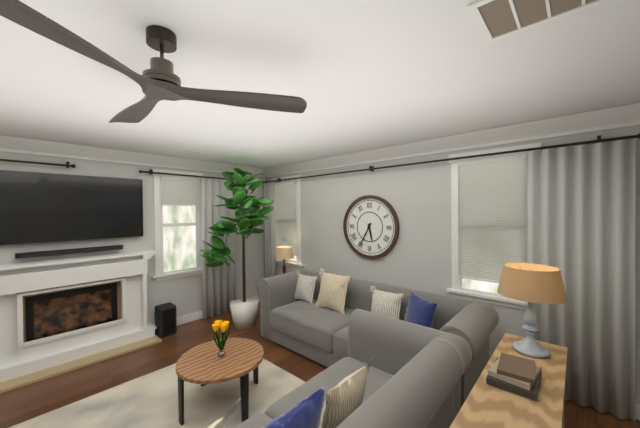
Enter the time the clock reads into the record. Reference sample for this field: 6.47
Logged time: 5.35
